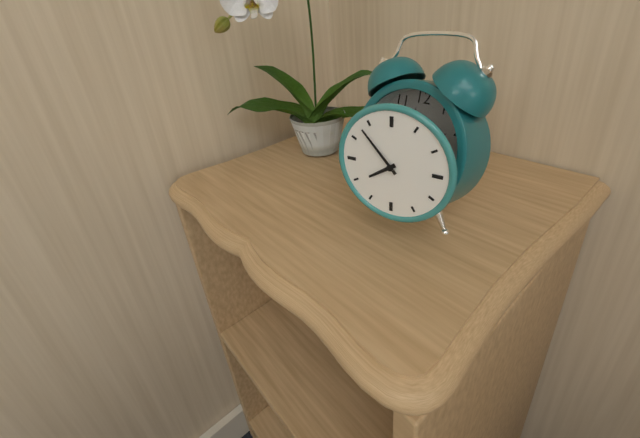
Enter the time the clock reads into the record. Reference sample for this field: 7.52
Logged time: 7.53
